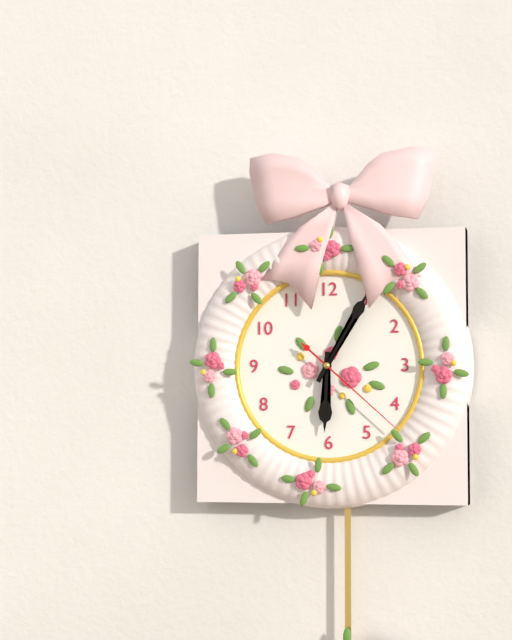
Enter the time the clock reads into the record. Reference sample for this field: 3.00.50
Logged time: 6.05.22
